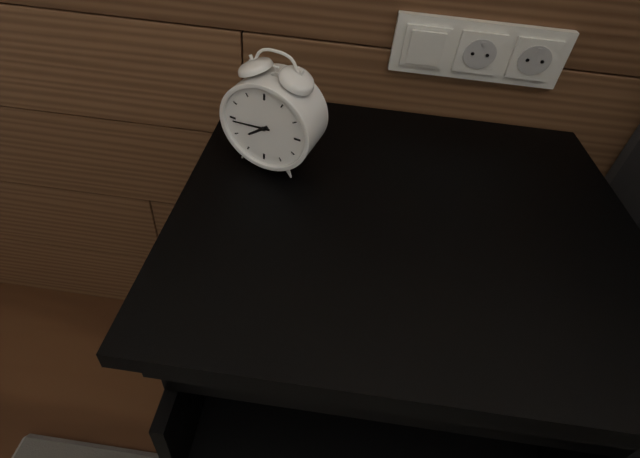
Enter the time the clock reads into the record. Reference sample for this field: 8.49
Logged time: 7.44
